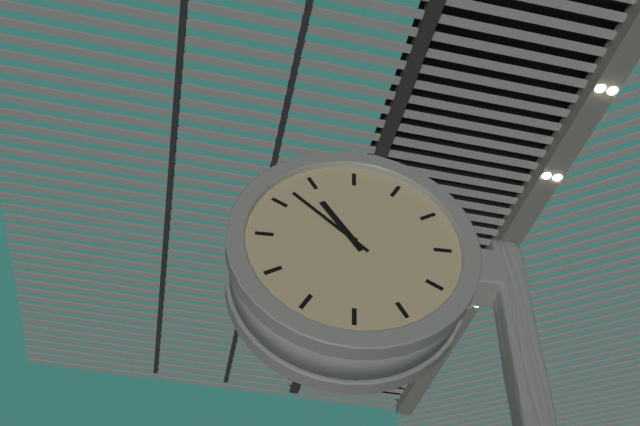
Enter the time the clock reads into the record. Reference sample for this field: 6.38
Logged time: 10.52
